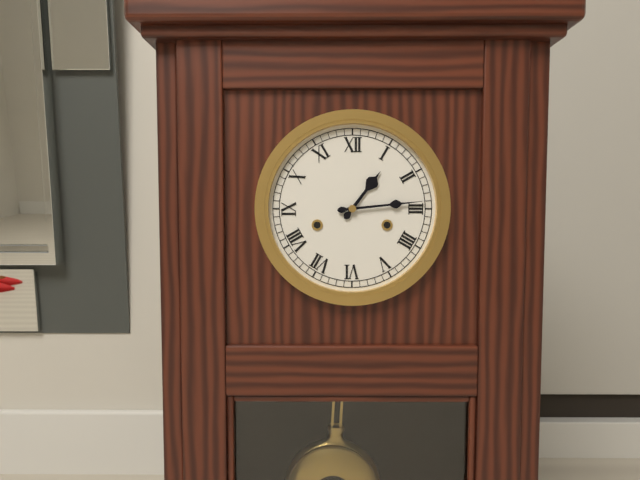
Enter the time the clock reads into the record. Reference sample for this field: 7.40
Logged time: 1.14
